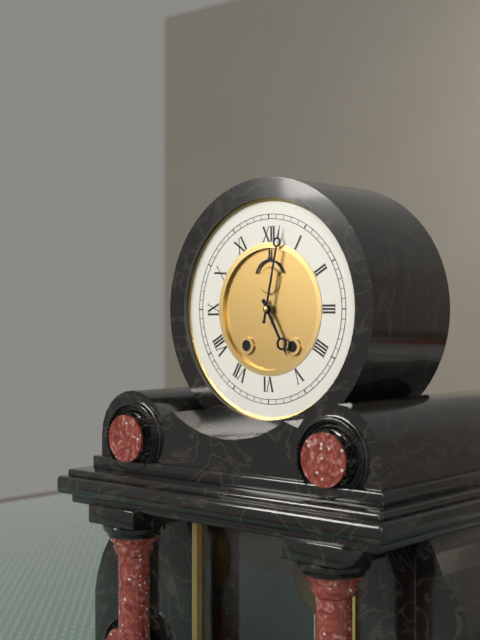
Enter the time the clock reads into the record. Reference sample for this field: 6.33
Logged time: 5.02
